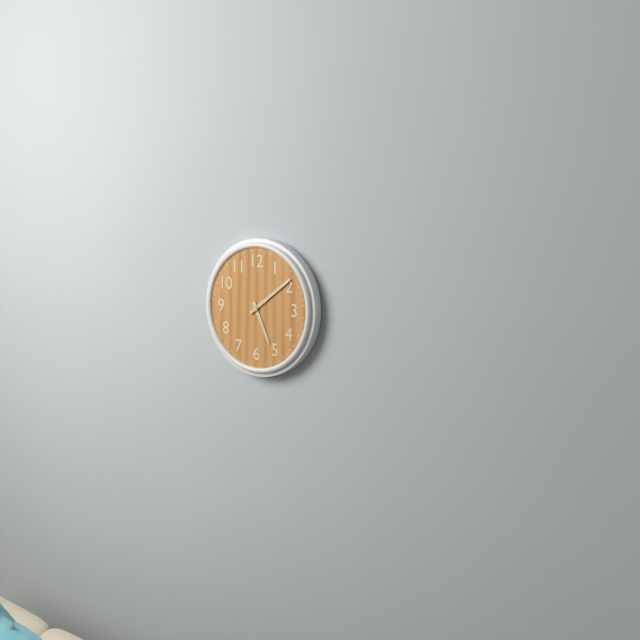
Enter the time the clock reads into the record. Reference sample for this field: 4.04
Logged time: 5.09
